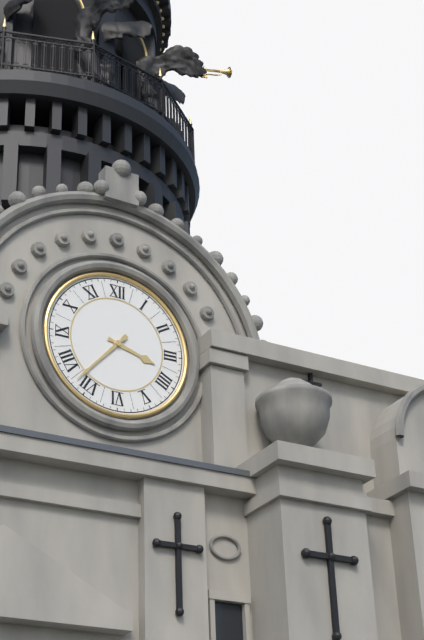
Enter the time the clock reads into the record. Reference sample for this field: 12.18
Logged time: 3.37
